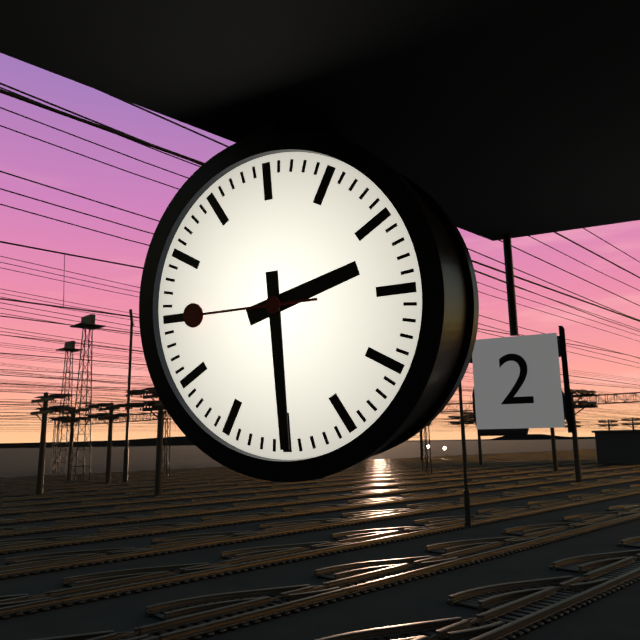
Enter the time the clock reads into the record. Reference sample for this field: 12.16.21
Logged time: 2.30.45
